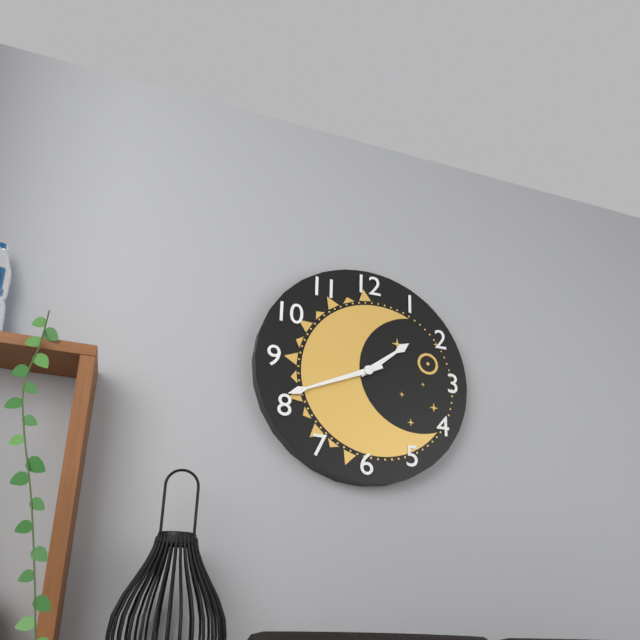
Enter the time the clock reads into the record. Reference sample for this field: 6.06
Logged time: 1.41
